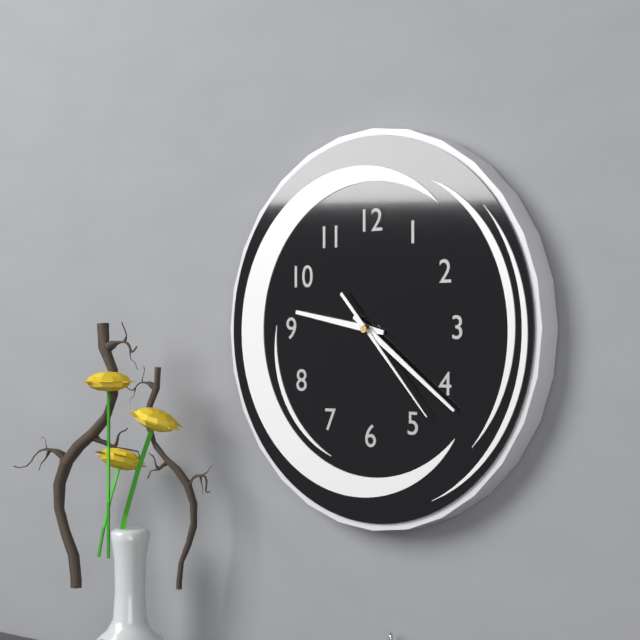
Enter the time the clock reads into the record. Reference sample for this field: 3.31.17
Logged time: 9.21.23
